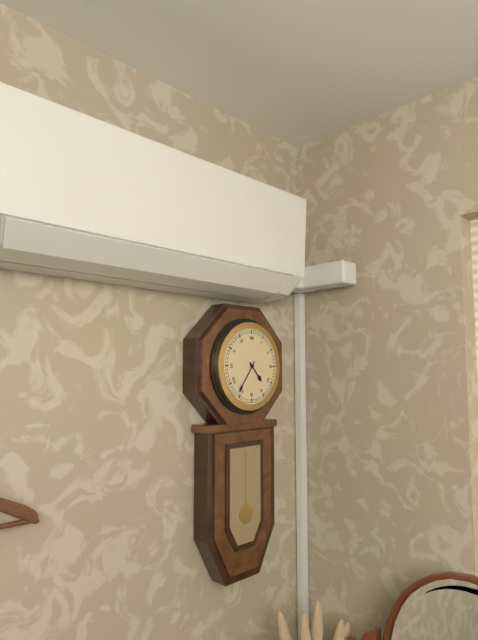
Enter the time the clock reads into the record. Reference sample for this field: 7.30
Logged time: 4.36
